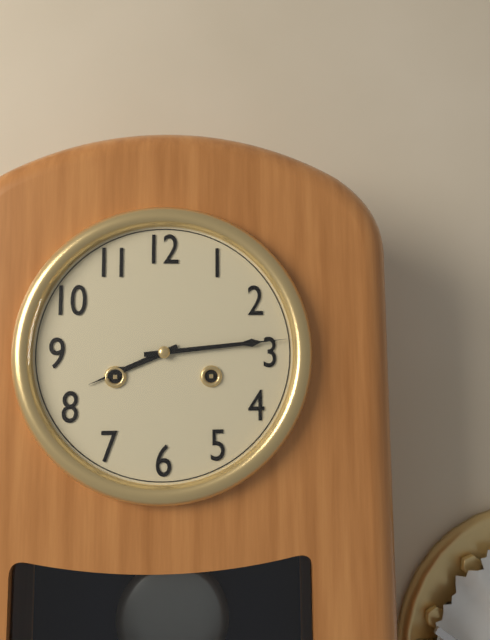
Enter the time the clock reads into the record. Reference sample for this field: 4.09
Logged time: 8.14
